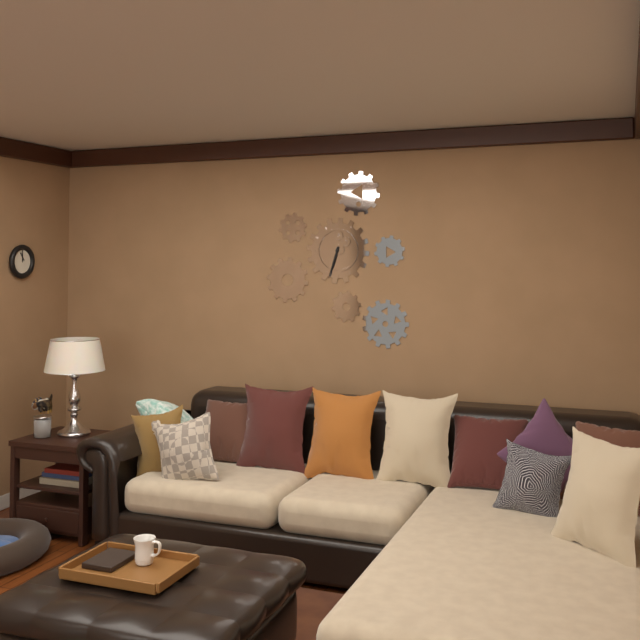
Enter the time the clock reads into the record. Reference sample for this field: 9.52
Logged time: 6.33
